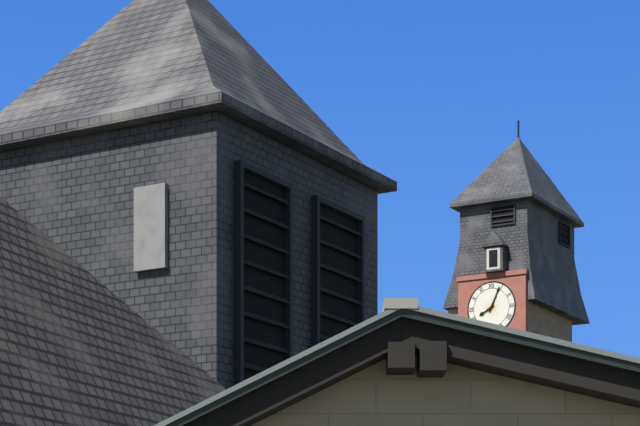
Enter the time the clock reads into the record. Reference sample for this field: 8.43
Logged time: 8.04
